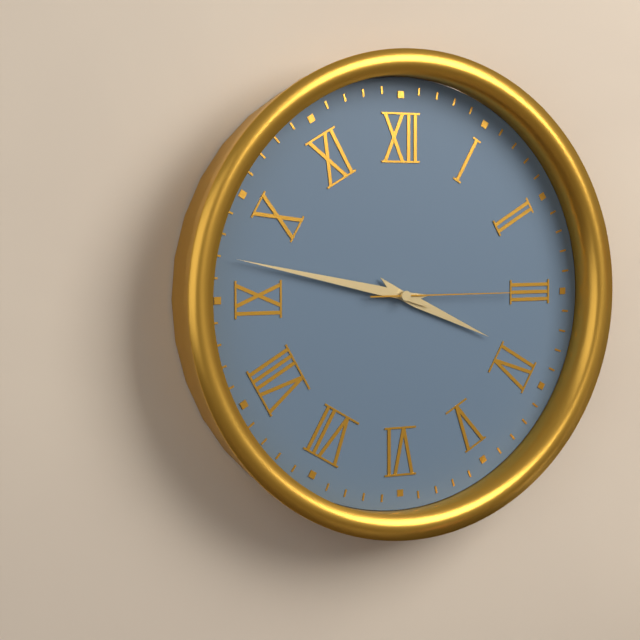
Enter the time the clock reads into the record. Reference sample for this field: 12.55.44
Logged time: 3.47.15
